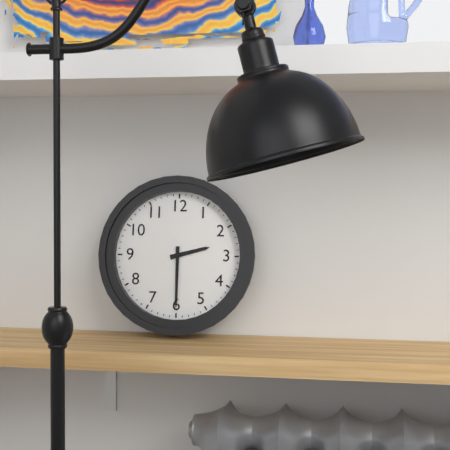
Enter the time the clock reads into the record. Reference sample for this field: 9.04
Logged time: 2.30
